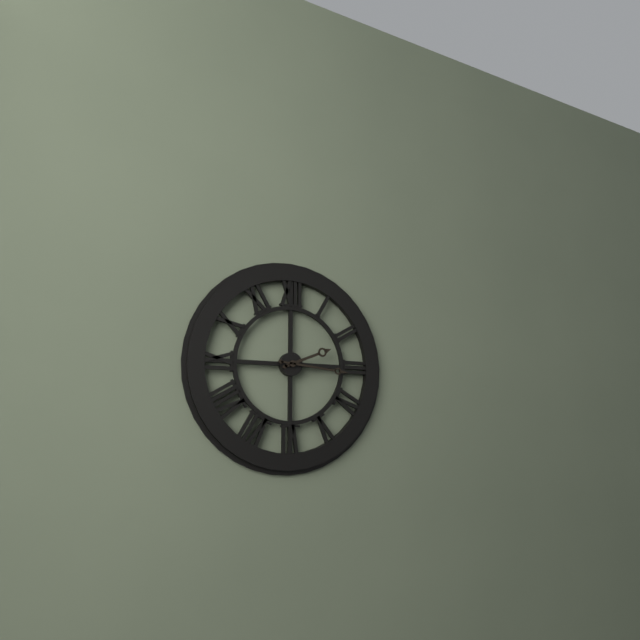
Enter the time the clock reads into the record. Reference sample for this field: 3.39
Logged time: 2.16
